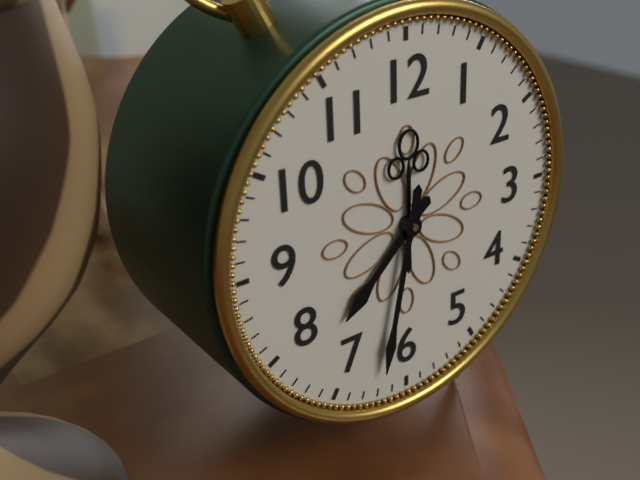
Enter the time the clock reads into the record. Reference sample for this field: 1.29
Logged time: 7.32
